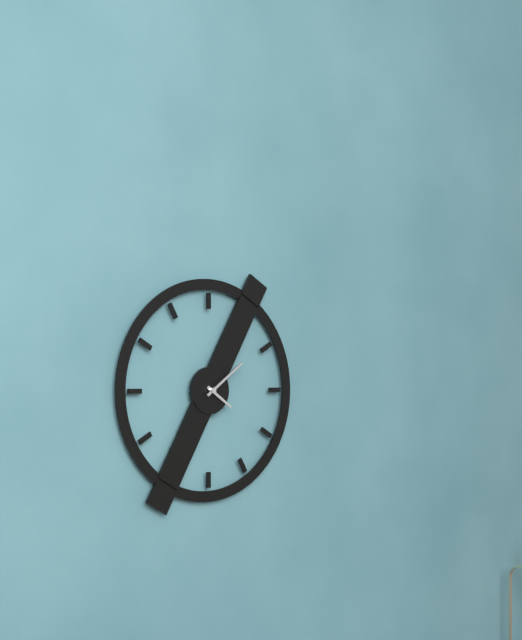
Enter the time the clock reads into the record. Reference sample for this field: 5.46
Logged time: 4.09
